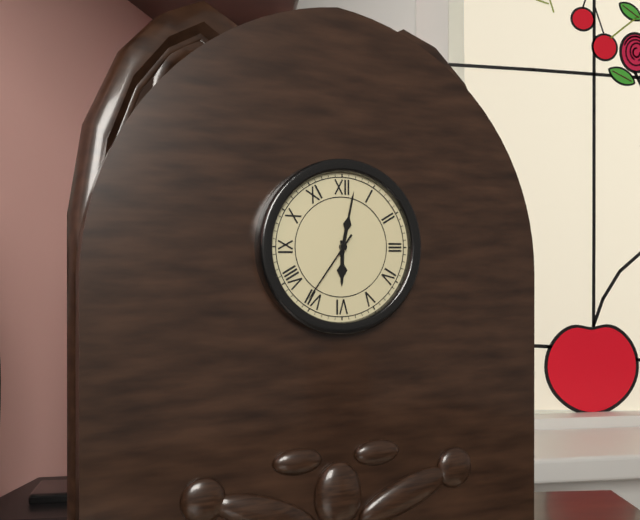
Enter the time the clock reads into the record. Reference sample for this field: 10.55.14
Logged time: 6.02.36
